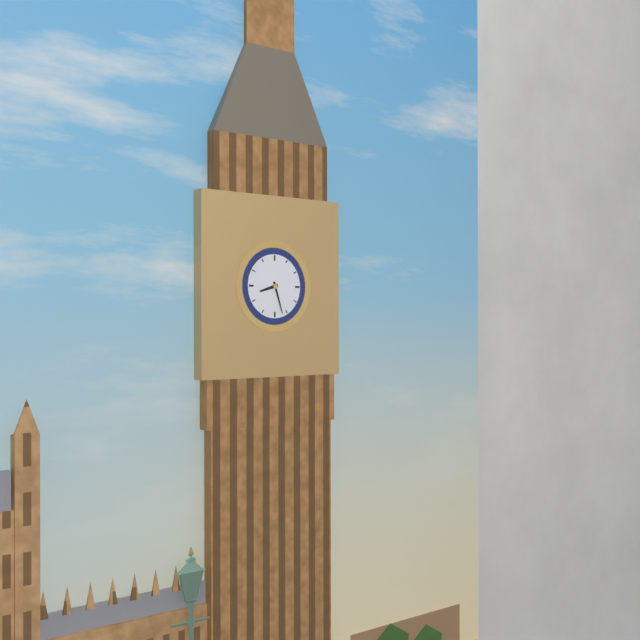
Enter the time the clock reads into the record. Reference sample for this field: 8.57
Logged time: 8.27
